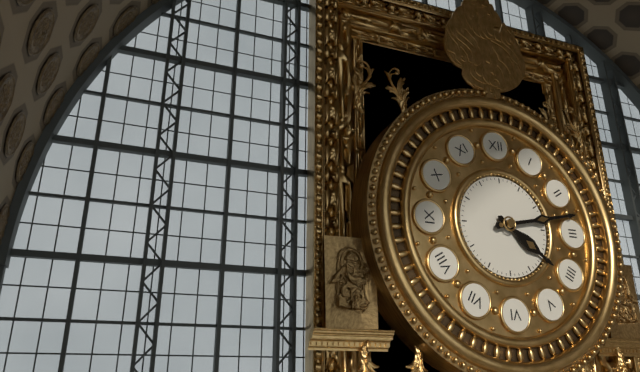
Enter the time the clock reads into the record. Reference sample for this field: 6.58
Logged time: 4.13
